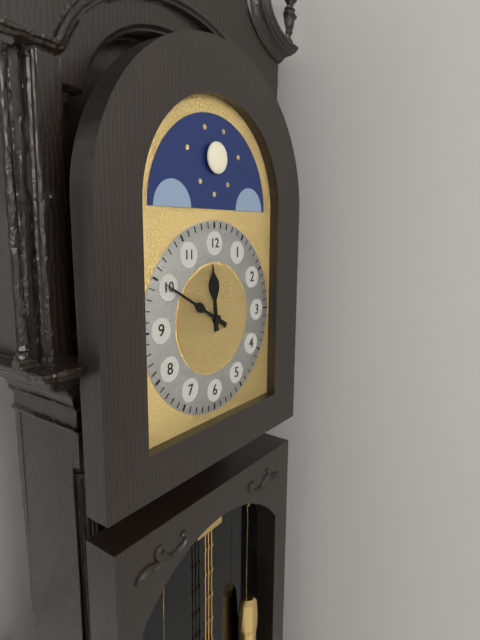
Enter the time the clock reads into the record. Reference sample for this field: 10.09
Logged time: 11.50
